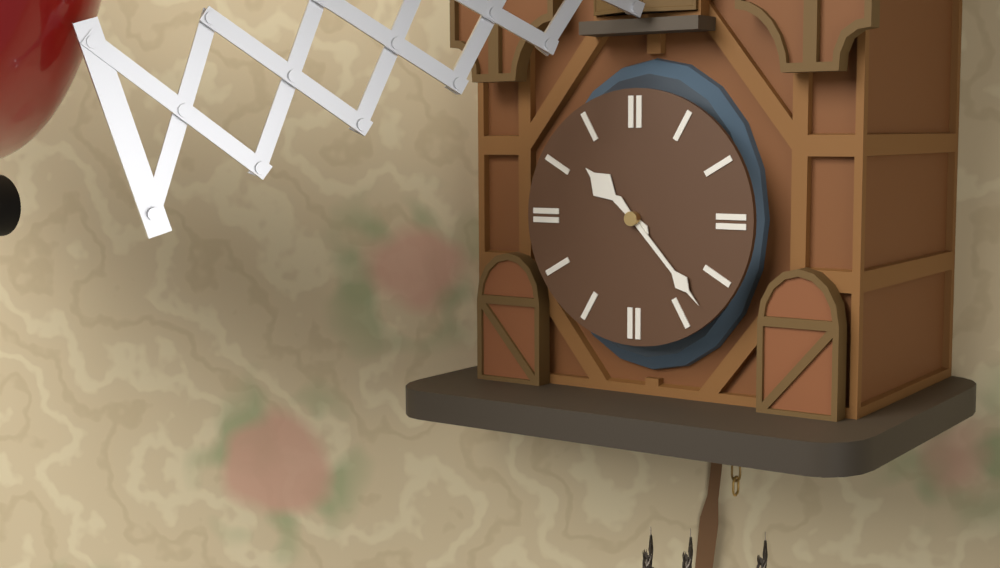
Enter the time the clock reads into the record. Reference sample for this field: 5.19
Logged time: 10.23
